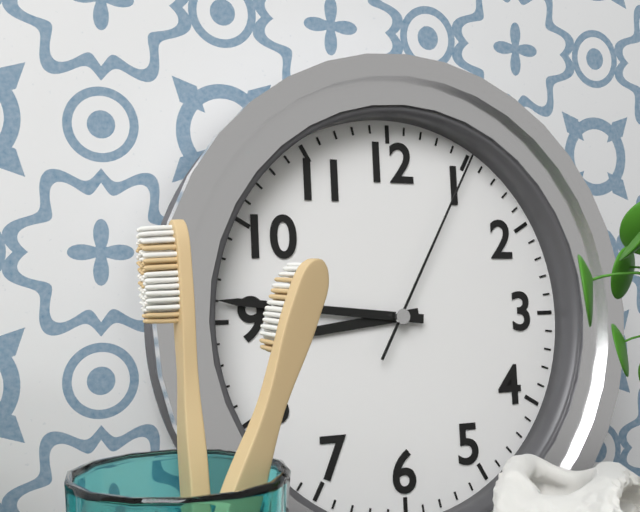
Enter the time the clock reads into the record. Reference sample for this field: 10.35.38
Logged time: 8.46.05
